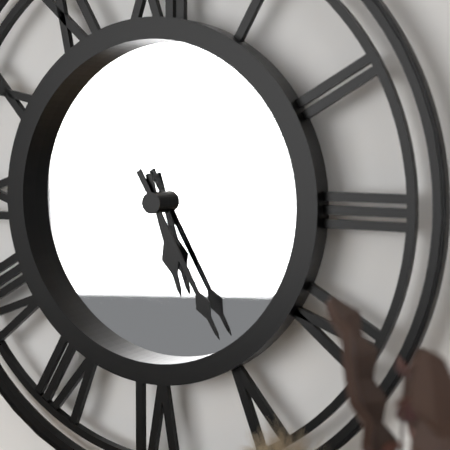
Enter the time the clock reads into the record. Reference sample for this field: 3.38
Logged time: 5.25
